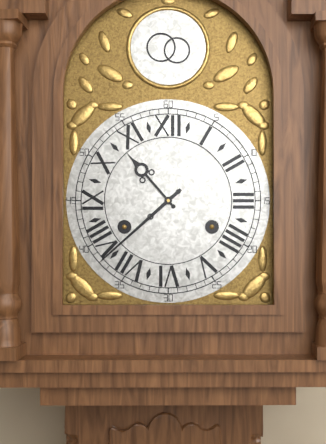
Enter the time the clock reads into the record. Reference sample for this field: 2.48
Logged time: 10.38
